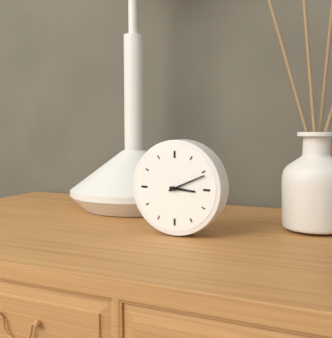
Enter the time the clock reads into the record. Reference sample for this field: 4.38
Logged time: 3.11
